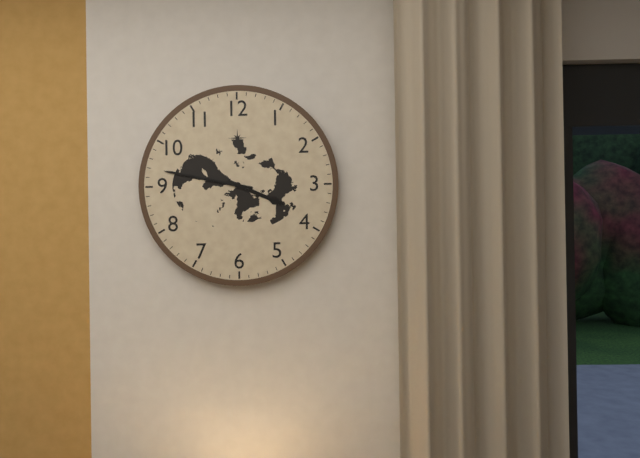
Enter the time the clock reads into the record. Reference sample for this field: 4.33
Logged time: 3.47
